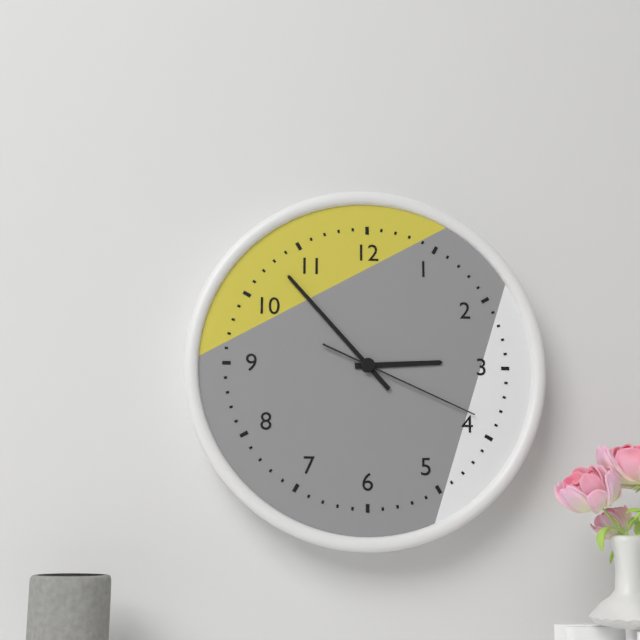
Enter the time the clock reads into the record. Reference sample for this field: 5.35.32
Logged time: 2.53.19
